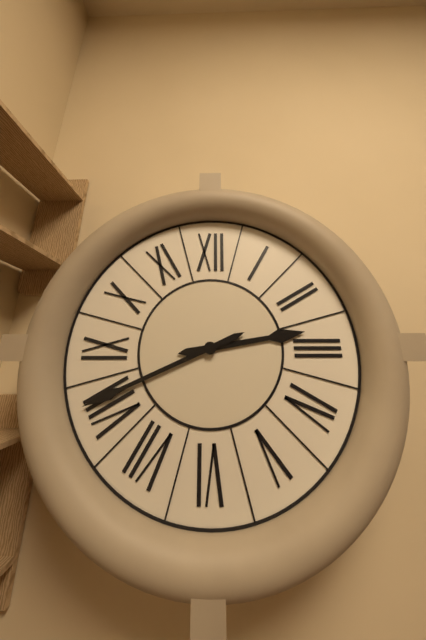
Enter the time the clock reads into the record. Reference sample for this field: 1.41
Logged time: 2.41
